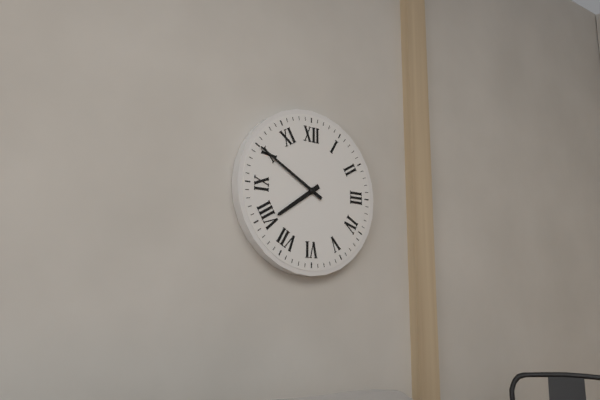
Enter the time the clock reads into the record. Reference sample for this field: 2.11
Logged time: 7.50
